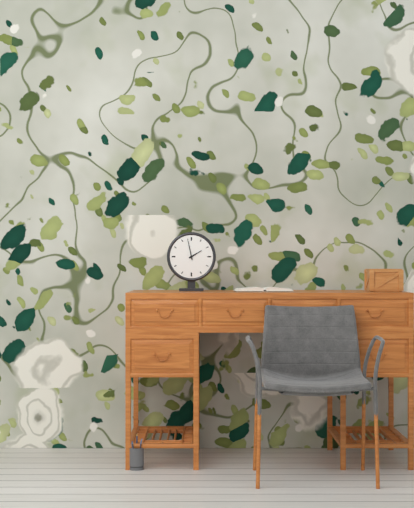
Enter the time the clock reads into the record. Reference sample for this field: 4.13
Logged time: 1.58
